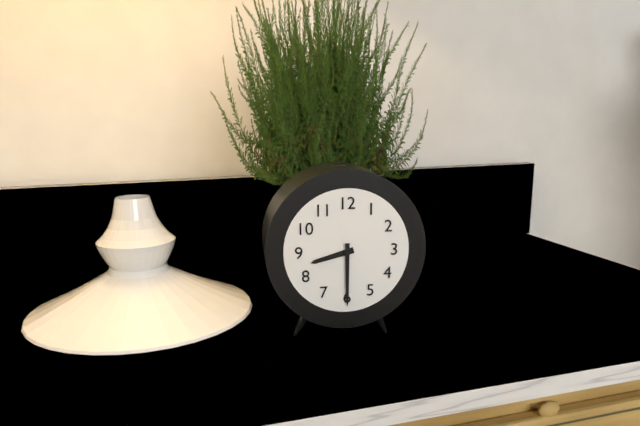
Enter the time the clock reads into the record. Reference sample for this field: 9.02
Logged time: 8.30
